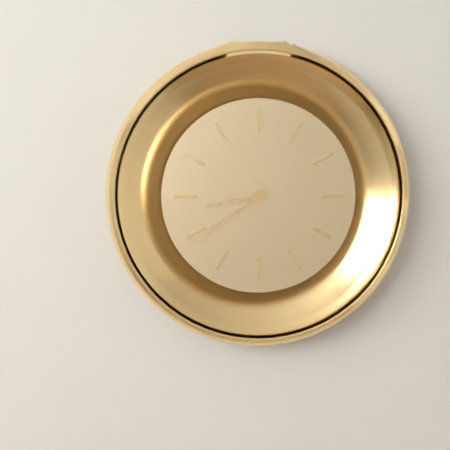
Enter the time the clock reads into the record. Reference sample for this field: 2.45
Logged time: 8.39
